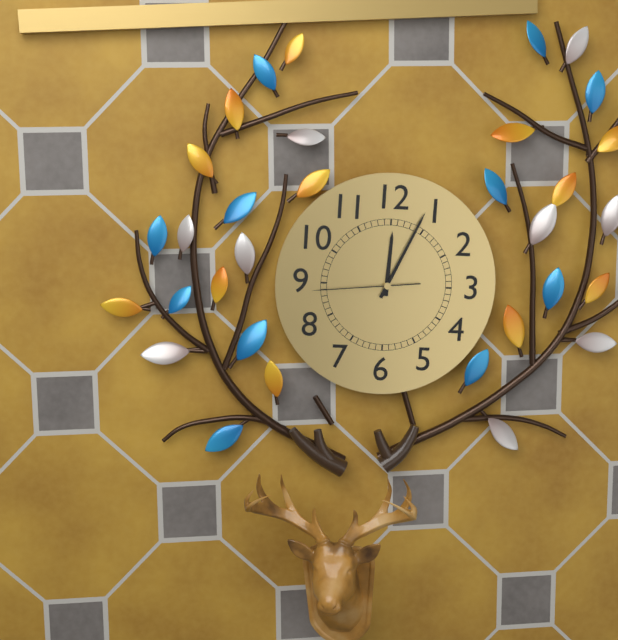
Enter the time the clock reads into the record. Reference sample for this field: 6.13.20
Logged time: 12.04.44
